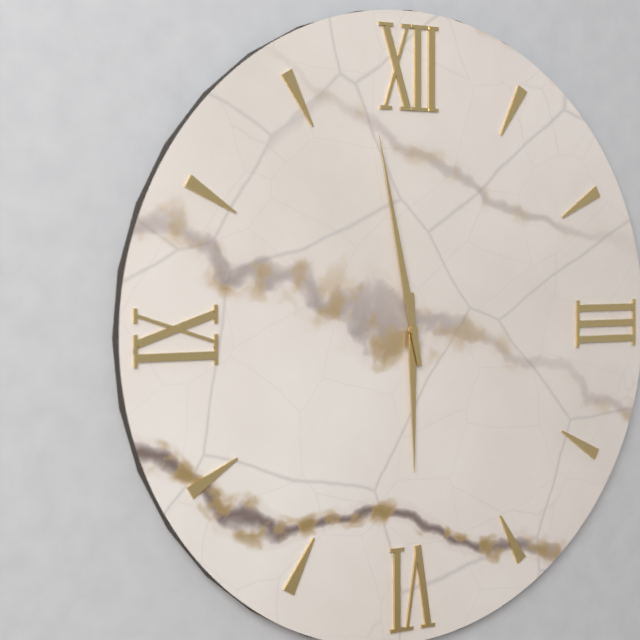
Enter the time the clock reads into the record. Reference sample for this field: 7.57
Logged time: 5.58
